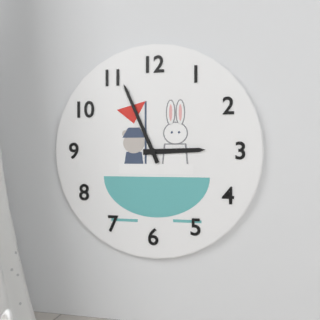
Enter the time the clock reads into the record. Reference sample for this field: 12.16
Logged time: 2.56
